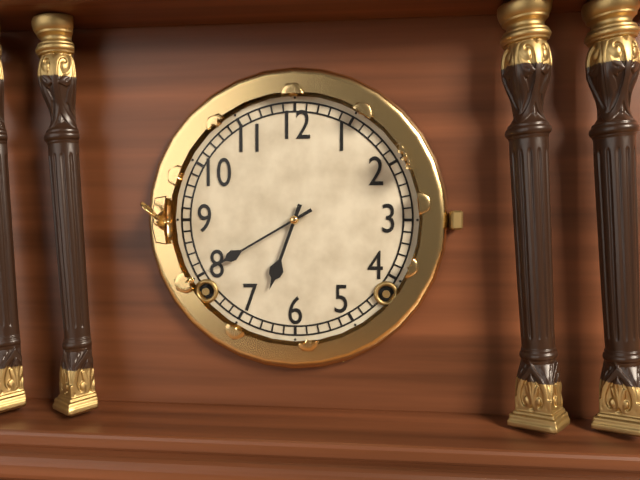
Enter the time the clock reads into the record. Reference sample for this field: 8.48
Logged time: 6.40
